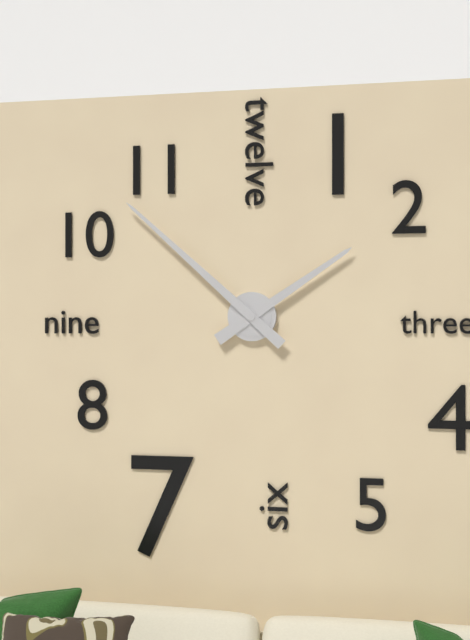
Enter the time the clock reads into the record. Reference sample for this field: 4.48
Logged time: 1.52
